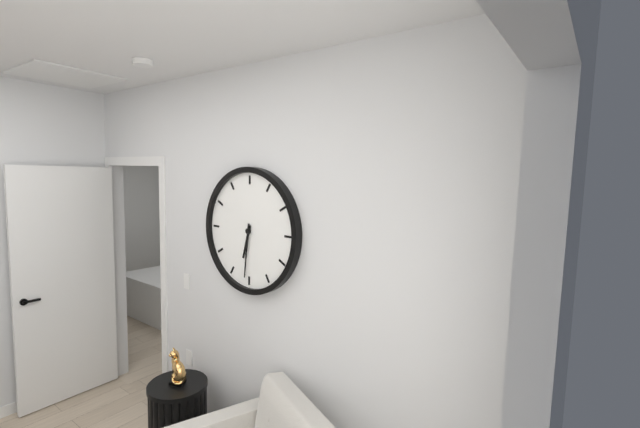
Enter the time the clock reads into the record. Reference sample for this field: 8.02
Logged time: 6.31
